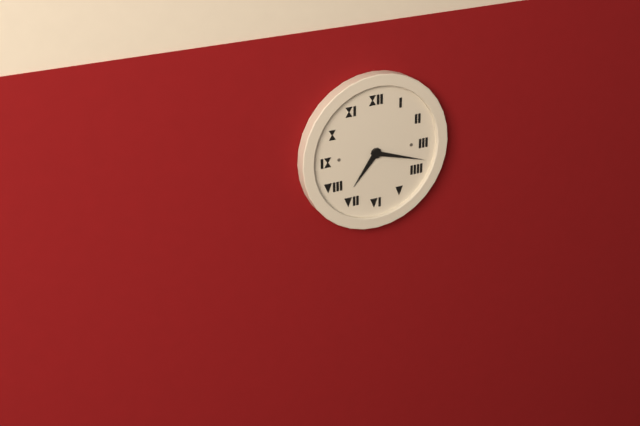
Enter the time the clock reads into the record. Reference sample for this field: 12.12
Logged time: 7.18
